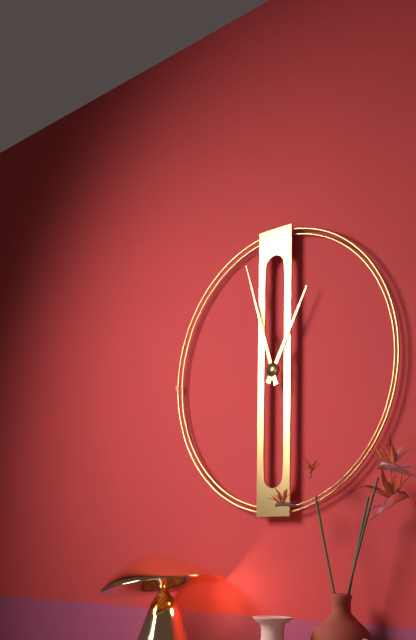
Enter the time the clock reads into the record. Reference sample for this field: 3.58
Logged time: 12.57
